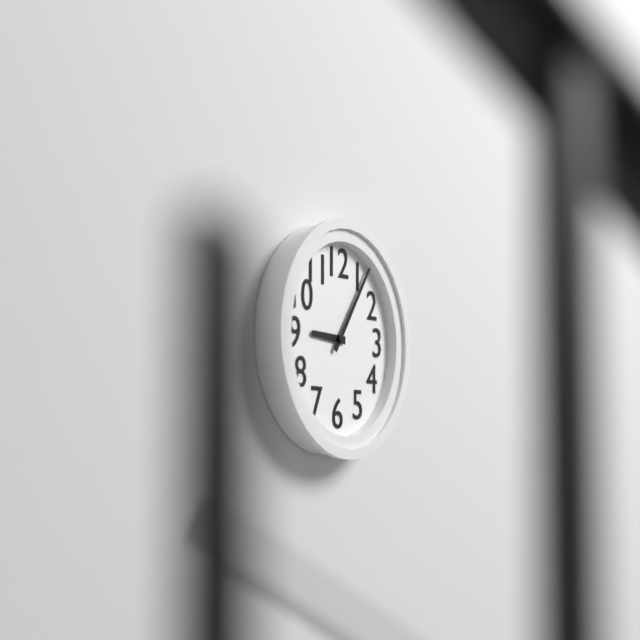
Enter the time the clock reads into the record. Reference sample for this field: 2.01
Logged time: 9.06
